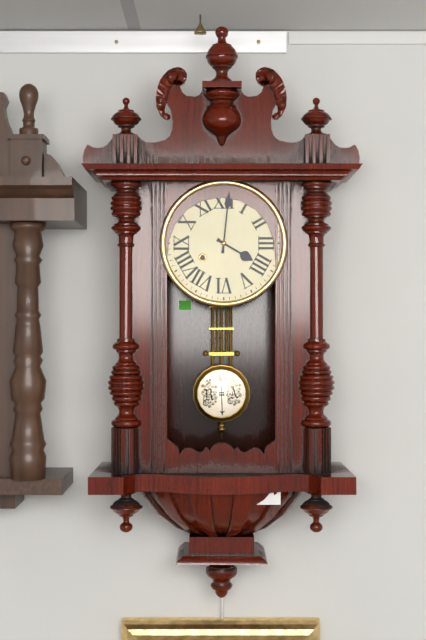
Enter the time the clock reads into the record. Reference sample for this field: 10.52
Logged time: 4.01
